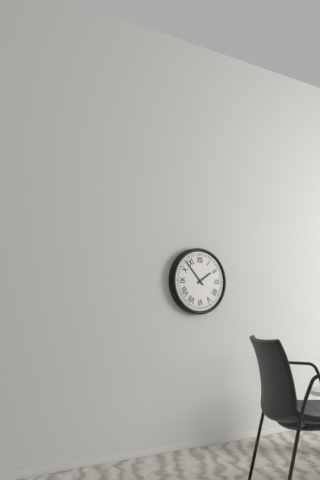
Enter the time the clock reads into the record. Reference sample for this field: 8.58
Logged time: 1.53
